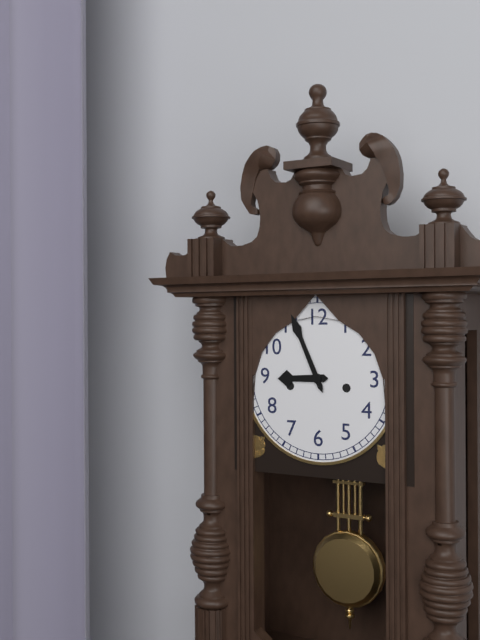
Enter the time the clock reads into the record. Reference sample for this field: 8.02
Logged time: 8.56
